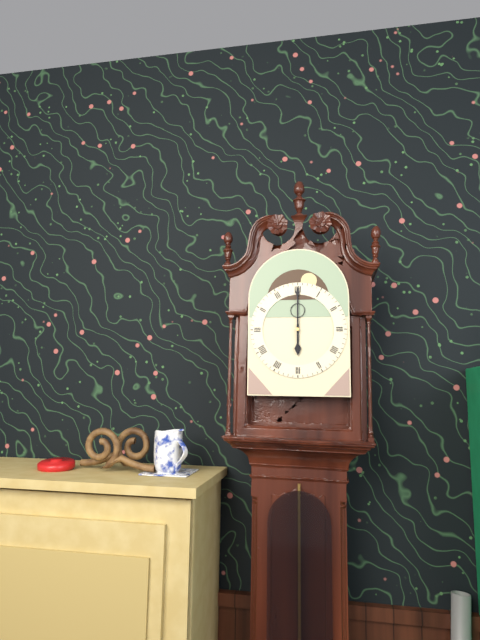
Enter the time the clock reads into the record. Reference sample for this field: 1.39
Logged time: 6.00
